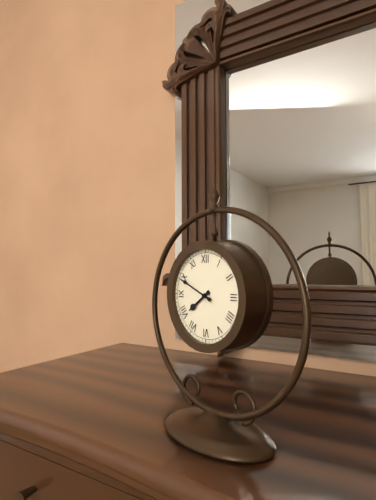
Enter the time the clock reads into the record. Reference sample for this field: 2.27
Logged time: 7.49
